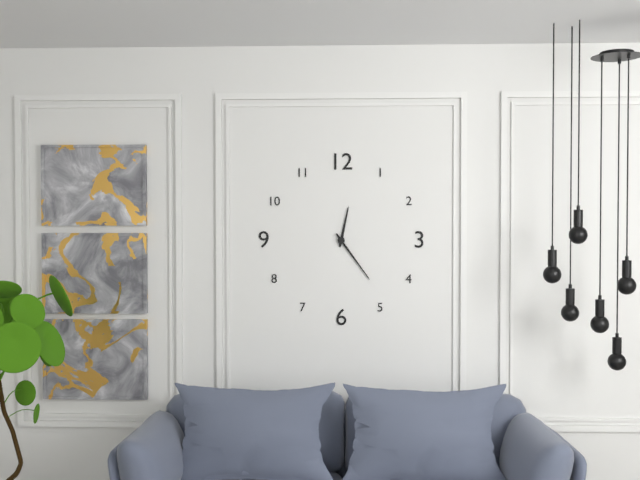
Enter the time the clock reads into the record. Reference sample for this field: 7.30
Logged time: 12.24
